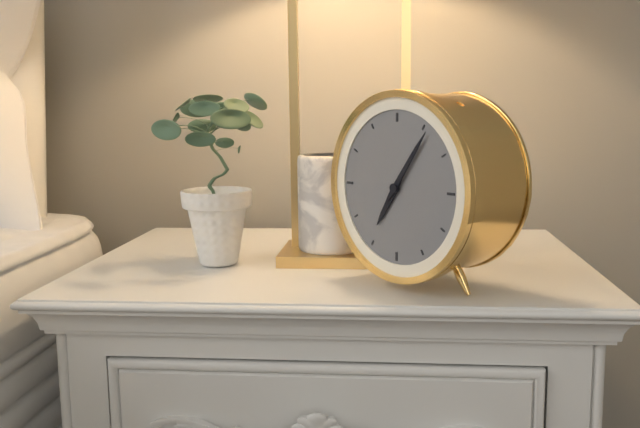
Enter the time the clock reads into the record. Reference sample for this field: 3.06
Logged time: 7.06
